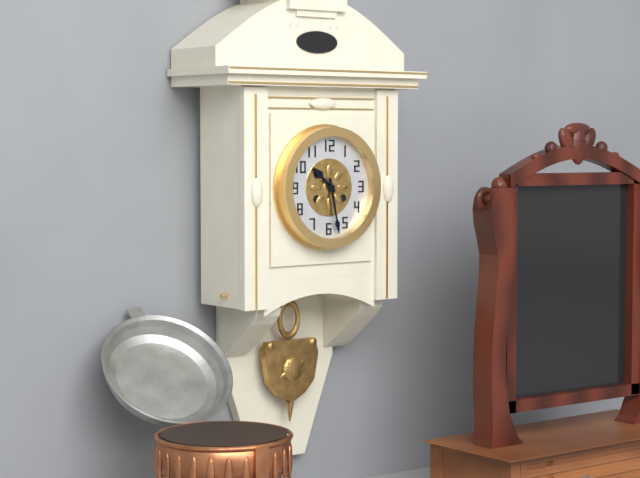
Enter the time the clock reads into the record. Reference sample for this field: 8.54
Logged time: 10.28
